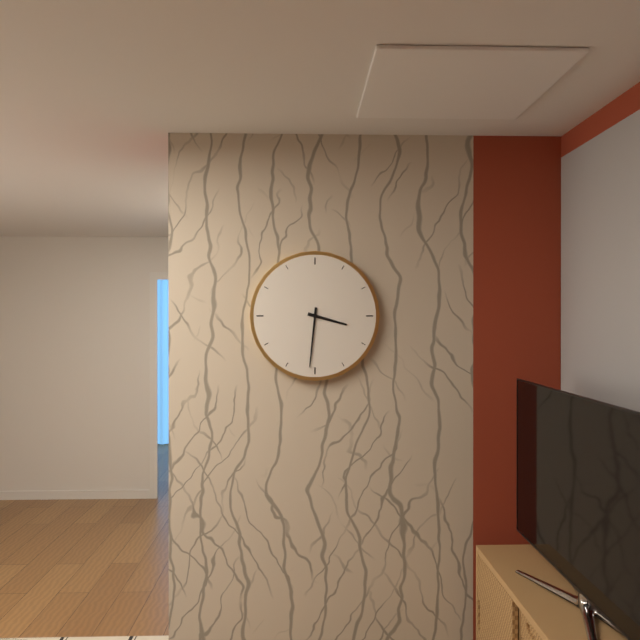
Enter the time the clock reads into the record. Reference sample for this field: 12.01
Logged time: 3.31
